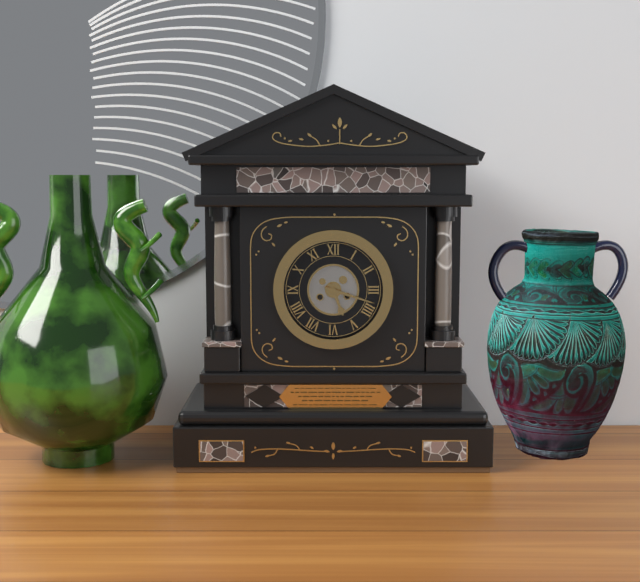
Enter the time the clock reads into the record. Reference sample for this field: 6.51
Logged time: 5.18
